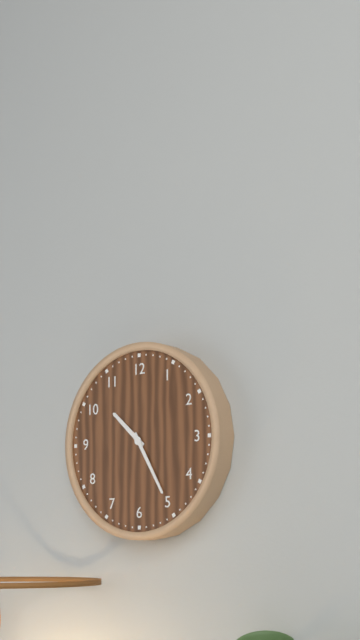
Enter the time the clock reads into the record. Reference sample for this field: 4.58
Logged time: 10.25
